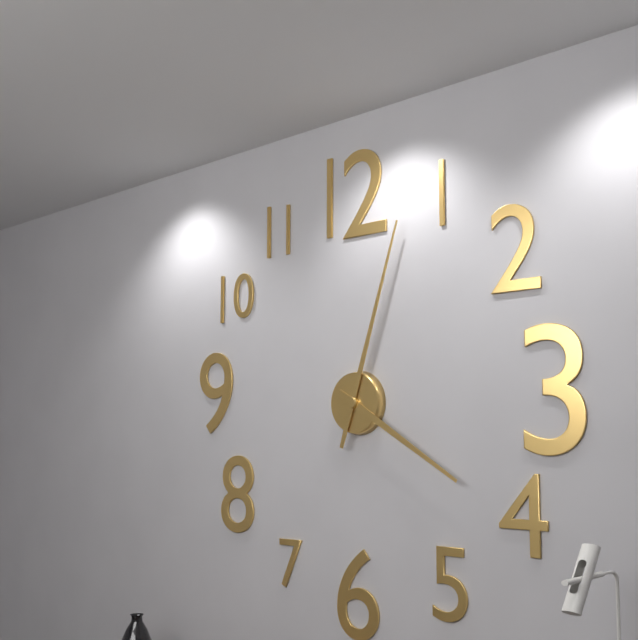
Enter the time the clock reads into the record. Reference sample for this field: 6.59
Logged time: 4.03
